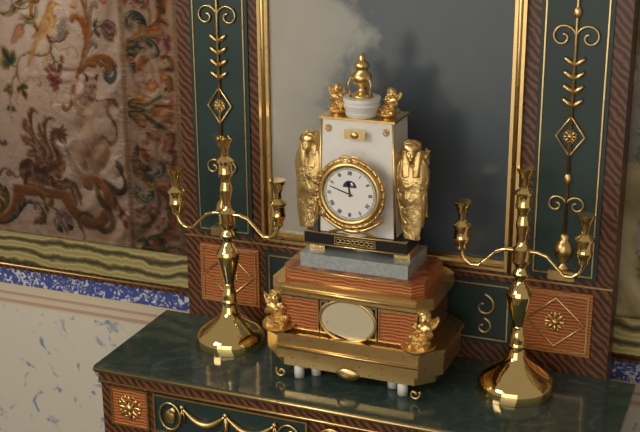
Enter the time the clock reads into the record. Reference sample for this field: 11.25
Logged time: 11.48
